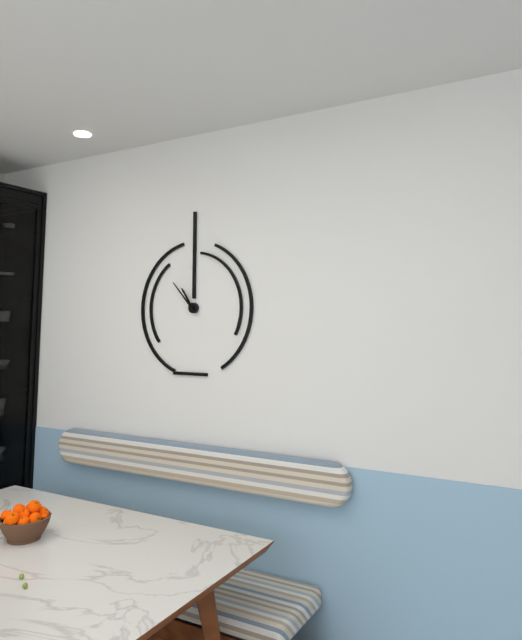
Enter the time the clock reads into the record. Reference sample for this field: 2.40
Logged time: 10.53
